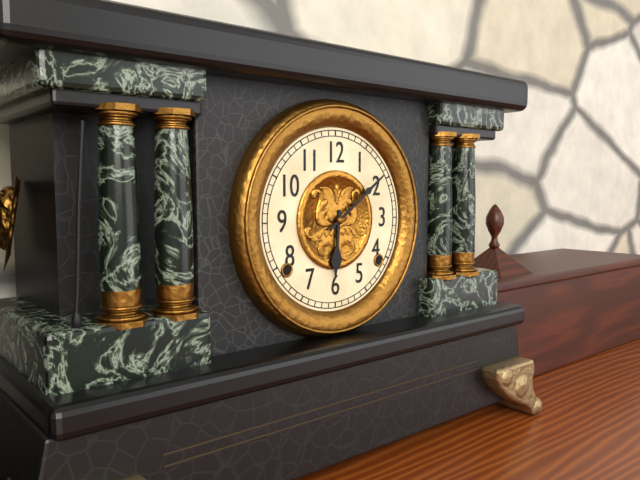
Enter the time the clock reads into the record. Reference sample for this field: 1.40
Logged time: 6.09
